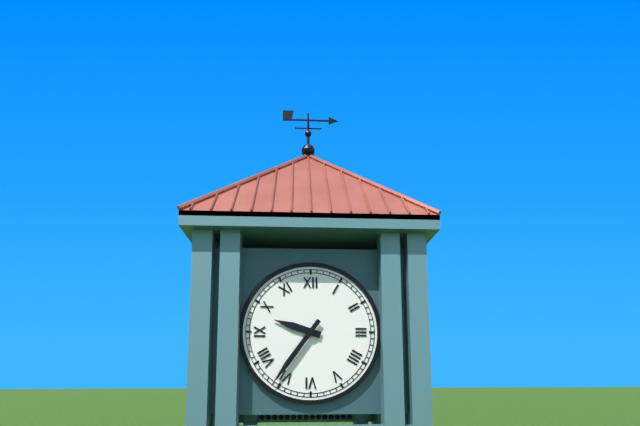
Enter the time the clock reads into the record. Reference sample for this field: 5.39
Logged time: 9.36
